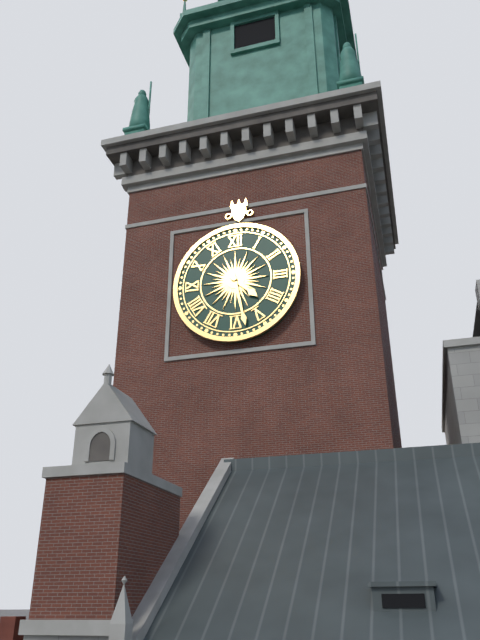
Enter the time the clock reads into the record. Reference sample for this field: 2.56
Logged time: 4.28
